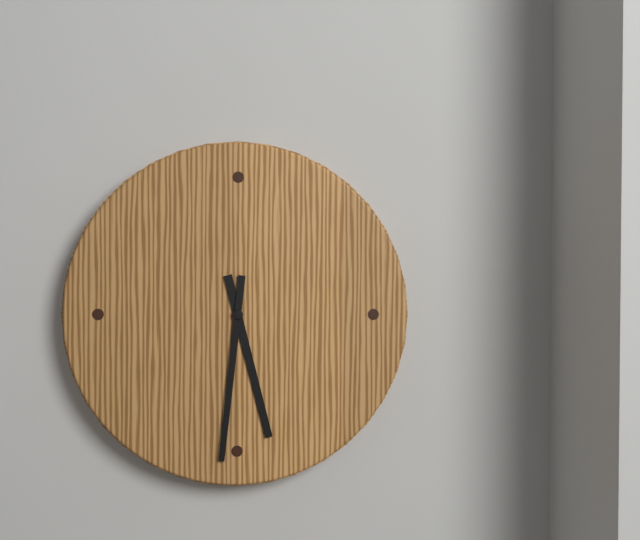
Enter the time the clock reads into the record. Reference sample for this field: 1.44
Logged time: 5.31
